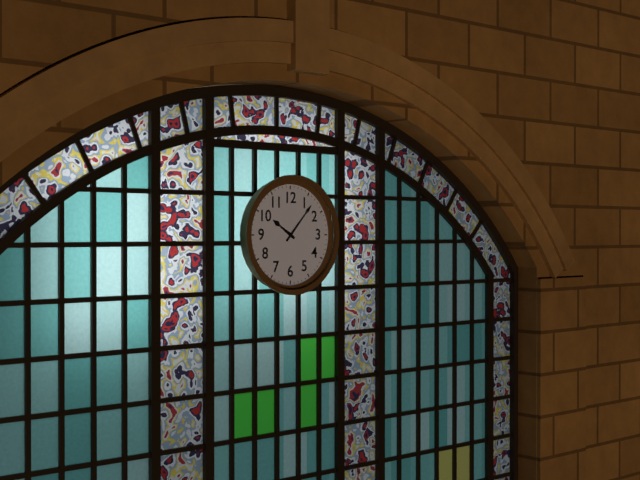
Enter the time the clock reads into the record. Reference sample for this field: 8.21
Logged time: 10.07
